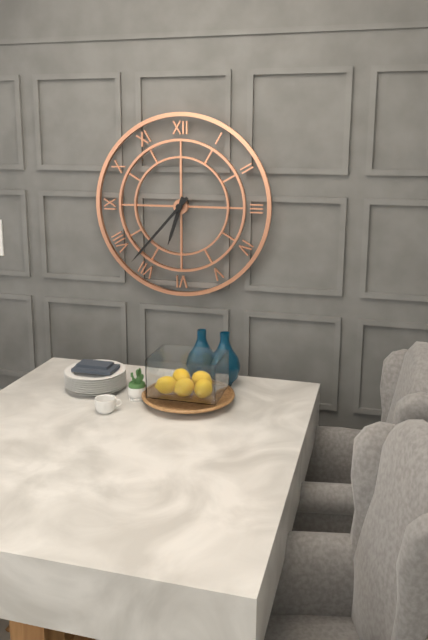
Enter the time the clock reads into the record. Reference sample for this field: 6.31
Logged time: 6.37
